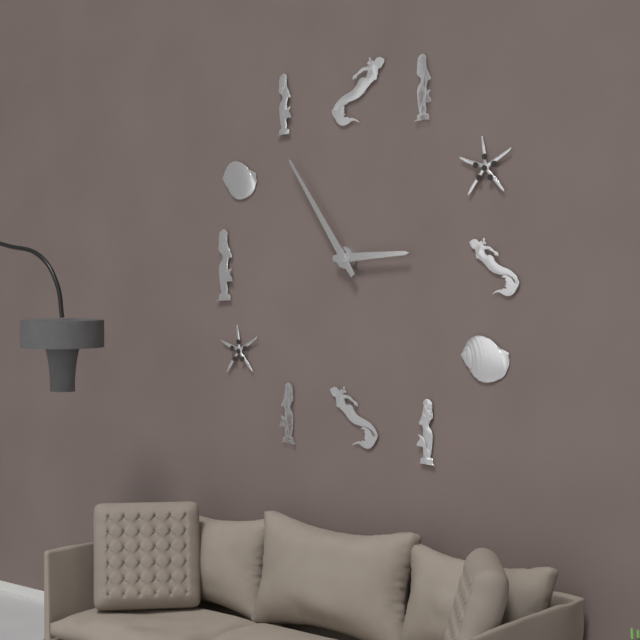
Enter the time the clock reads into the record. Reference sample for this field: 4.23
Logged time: 2.54
